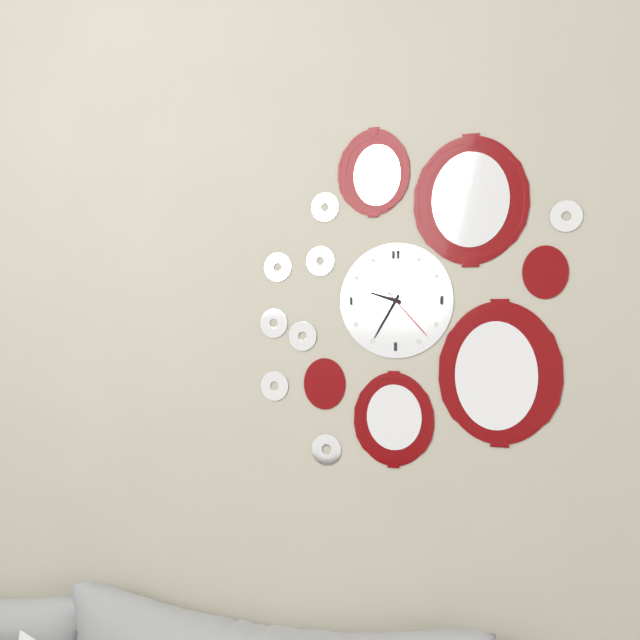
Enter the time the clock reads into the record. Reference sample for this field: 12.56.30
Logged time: 9.35.23
